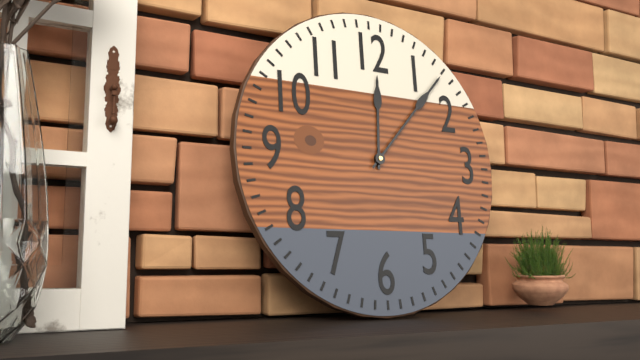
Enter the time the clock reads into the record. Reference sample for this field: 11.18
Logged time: 12.07
